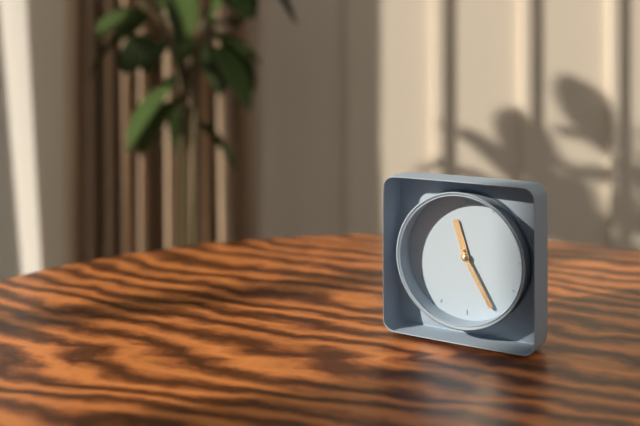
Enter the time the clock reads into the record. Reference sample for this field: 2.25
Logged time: 11.25
